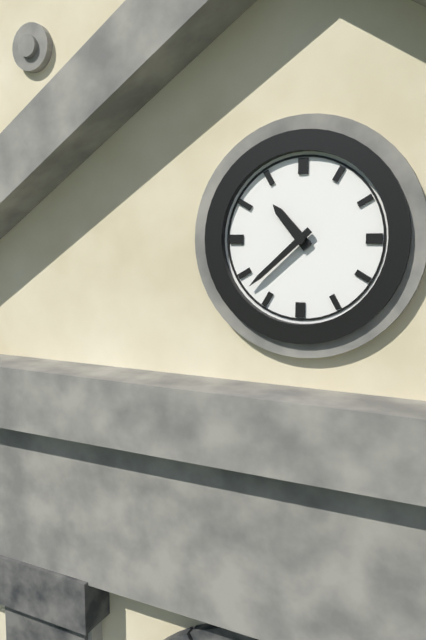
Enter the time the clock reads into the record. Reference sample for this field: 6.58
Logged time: 10.38
